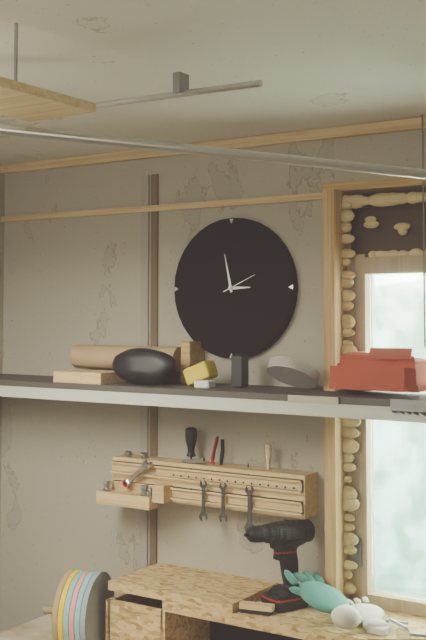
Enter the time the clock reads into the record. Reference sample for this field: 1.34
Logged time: 2.58
